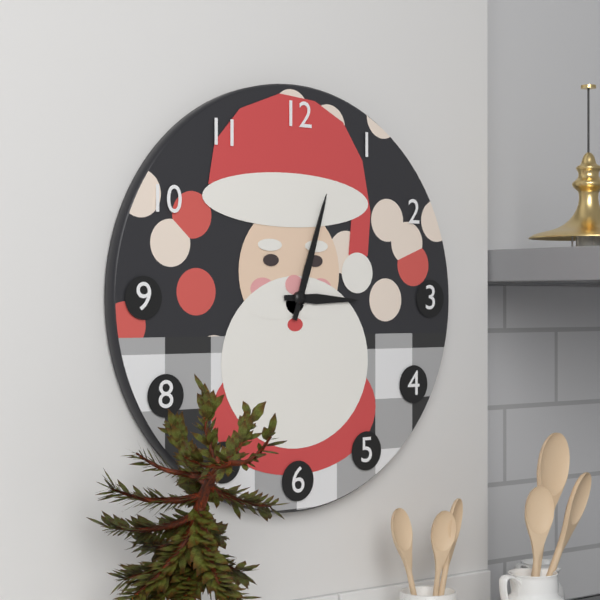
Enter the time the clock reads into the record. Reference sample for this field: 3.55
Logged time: 3.03
